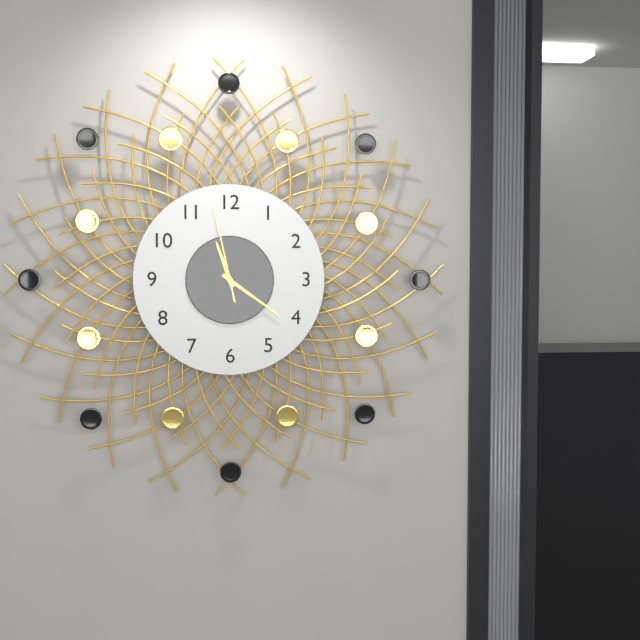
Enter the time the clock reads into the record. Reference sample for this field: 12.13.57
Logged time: 11.21.58
